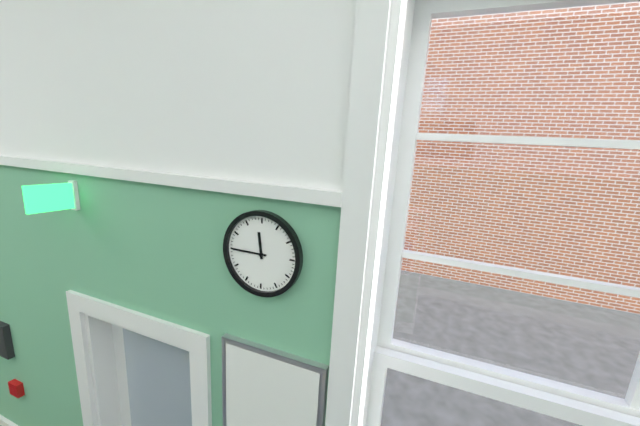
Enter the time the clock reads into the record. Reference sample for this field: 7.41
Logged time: 11.45
